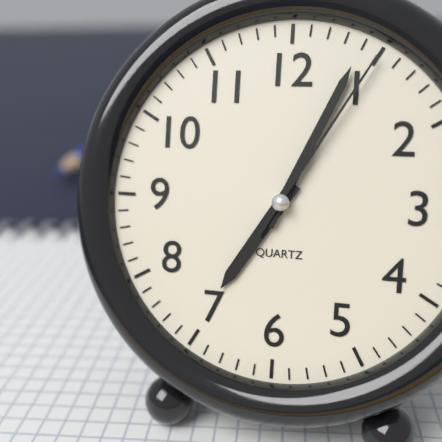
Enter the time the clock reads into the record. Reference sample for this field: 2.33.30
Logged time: 7.04.05
